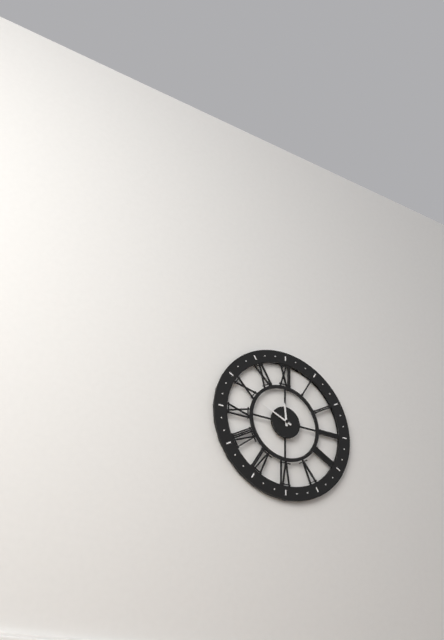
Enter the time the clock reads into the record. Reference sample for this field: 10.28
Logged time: 11.49
